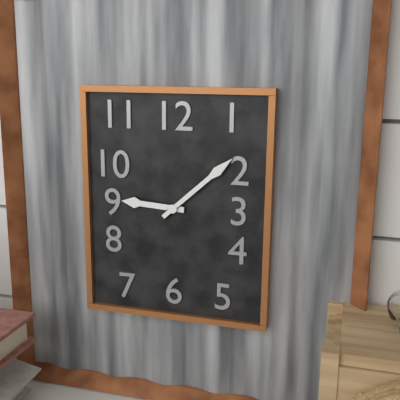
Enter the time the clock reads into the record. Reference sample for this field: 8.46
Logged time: 9.08
